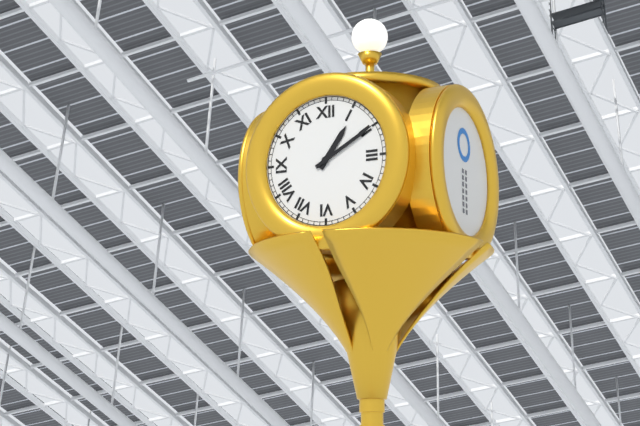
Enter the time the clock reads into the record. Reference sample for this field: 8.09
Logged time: 1.10
